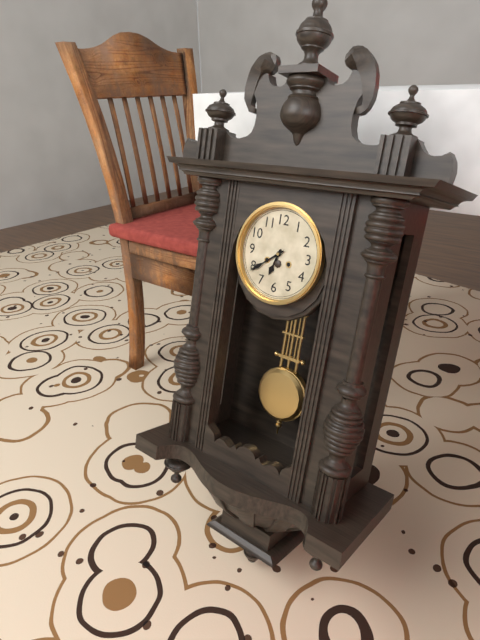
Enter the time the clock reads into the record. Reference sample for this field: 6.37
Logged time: 6.39
